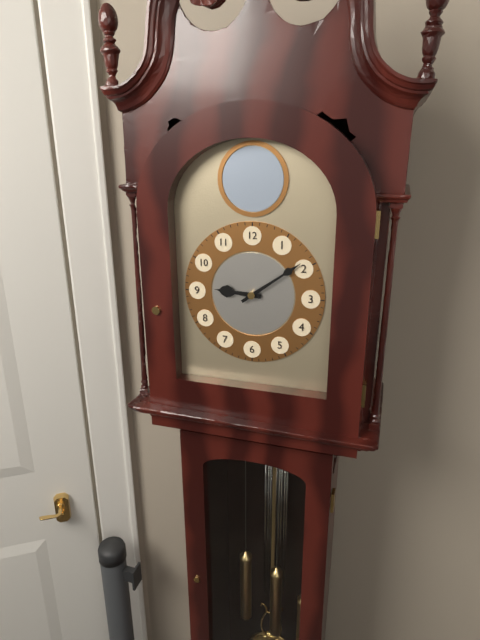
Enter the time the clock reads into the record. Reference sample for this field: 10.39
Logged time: 9.09
